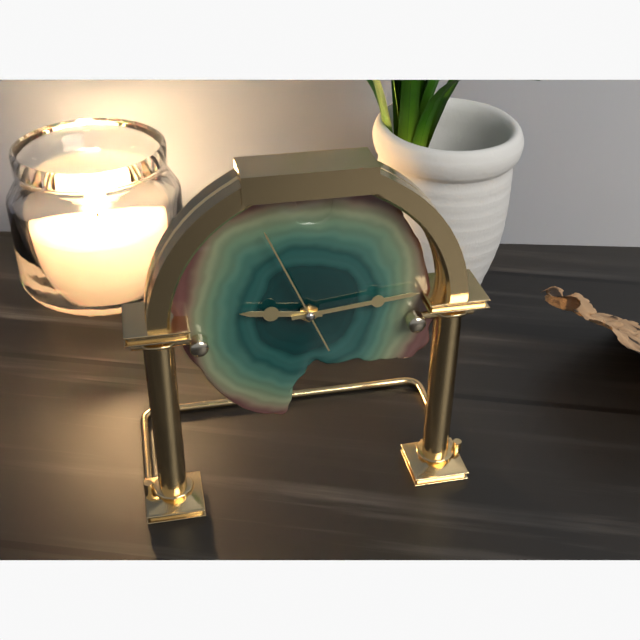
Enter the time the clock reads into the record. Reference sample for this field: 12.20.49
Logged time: 9.14.56
